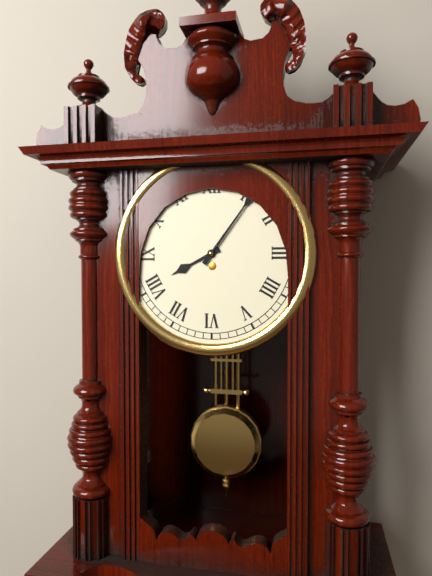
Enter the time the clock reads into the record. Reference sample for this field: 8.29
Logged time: 8.06
